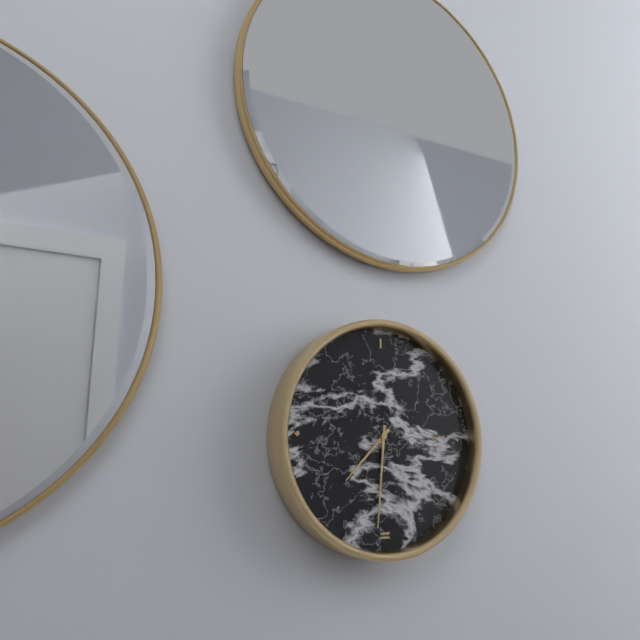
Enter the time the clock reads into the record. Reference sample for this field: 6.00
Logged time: 7.31
